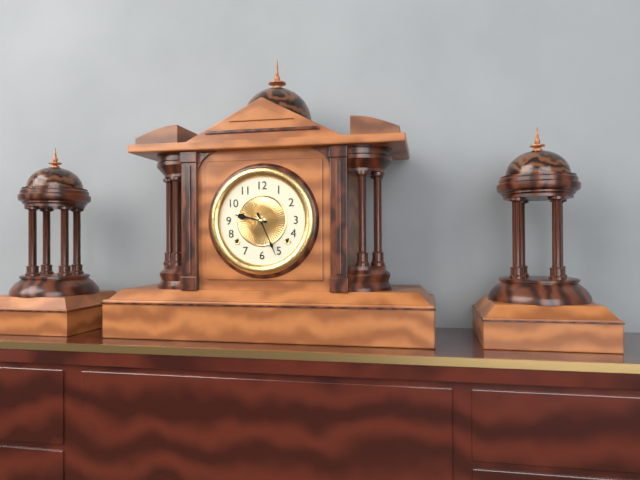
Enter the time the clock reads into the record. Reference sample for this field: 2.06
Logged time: 9.26
